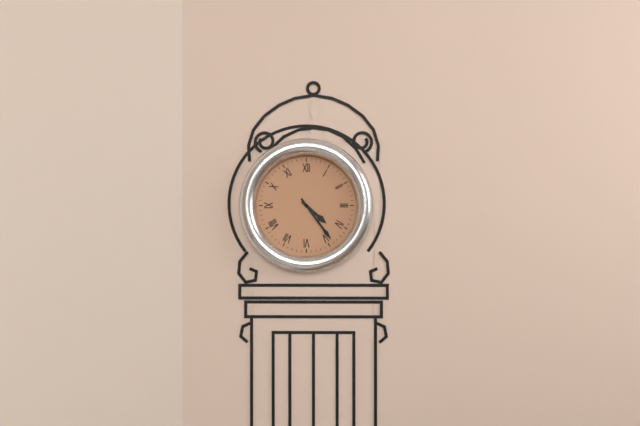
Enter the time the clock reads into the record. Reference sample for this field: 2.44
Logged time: 4.24
